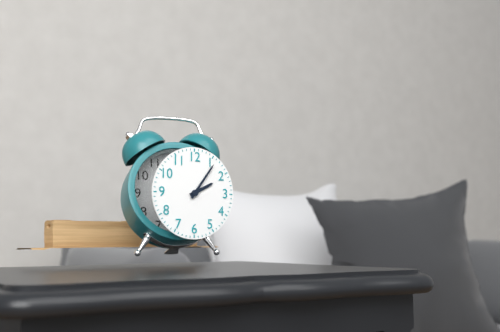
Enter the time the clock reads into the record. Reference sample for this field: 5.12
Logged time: 2.06
